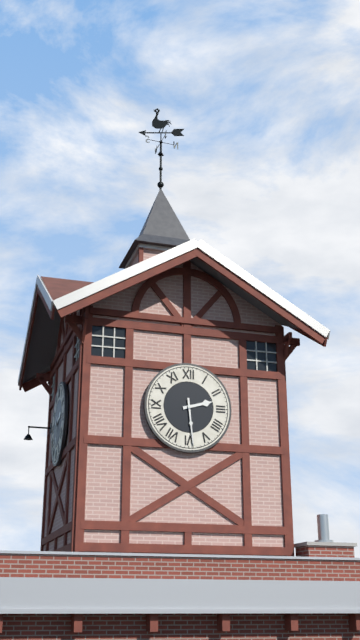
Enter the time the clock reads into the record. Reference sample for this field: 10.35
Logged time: 2.29
